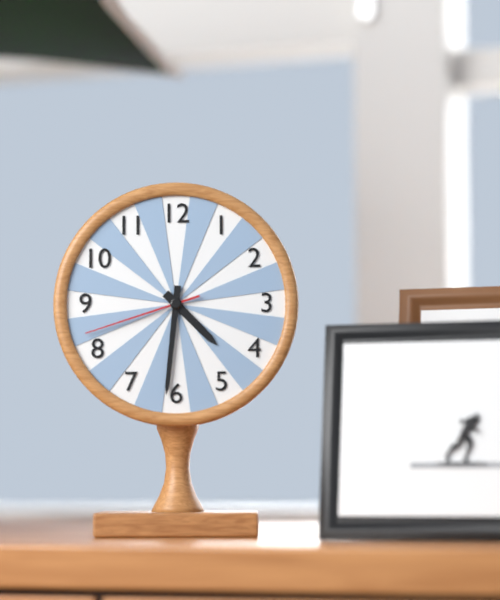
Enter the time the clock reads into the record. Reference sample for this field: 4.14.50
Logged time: 4.31.42
